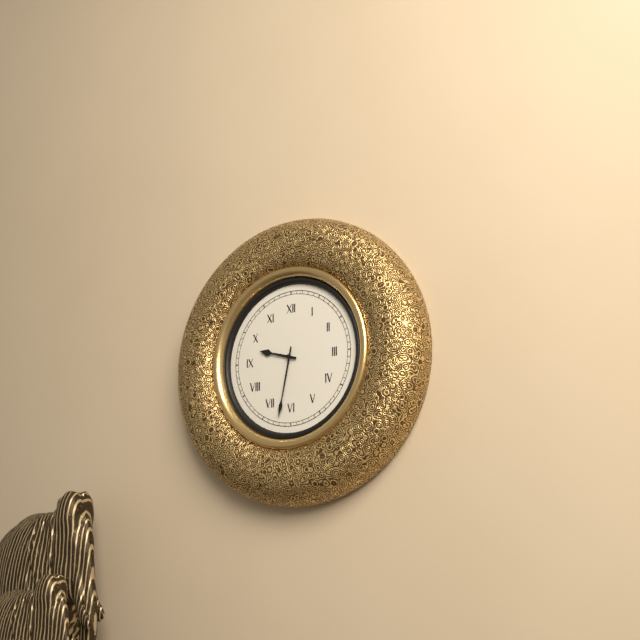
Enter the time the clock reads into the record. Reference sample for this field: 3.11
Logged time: 9.32
